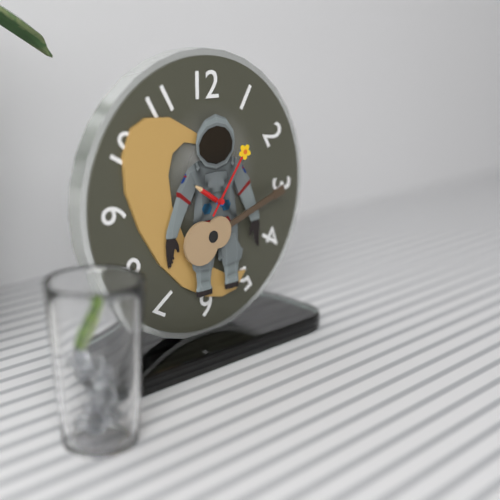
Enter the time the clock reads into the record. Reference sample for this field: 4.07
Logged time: 10.06
